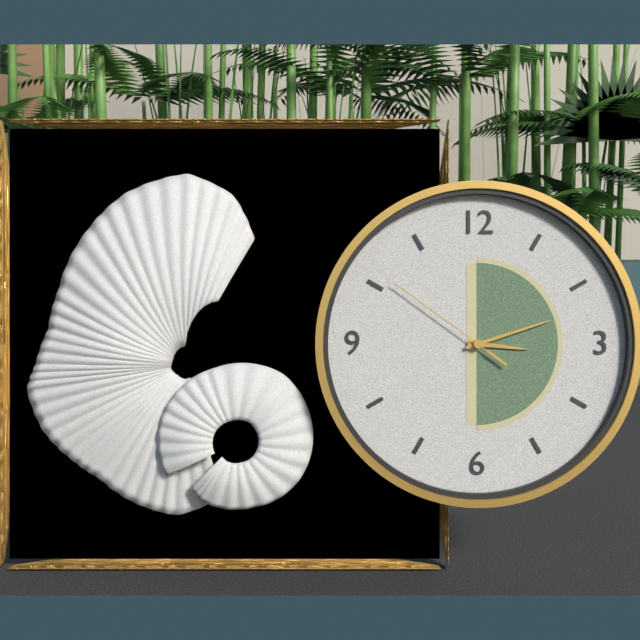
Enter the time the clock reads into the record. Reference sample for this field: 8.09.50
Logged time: 3.12.51
